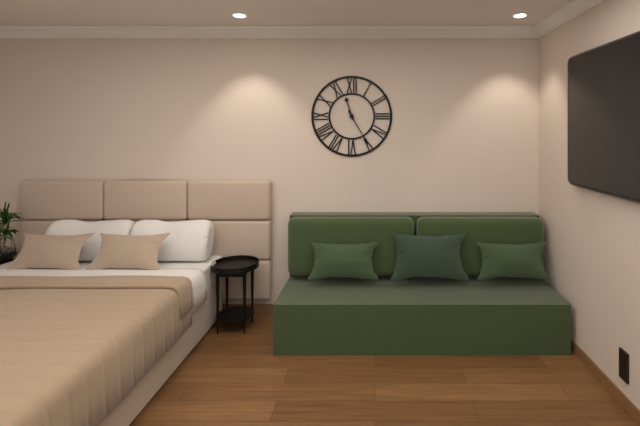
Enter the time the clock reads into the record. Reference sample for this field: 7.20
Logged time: 11.25
